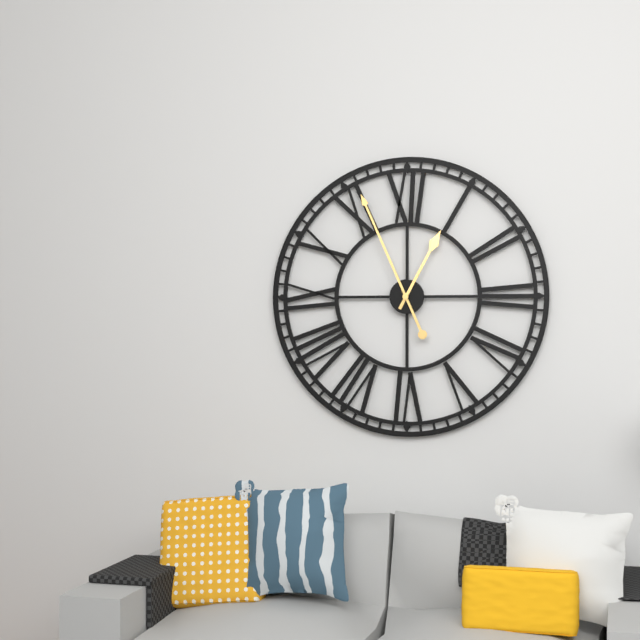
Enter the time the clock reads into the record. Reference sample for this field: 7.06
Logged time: 12.56
